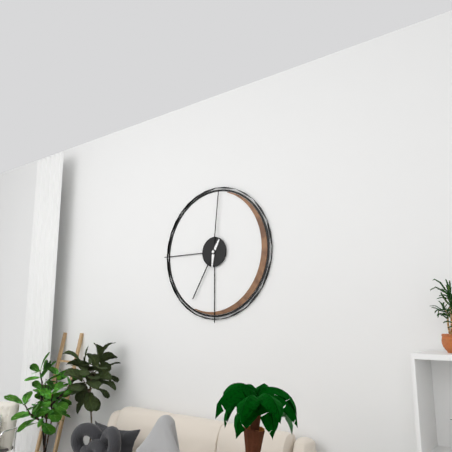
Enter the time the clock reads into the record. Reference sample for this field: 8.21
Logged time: 7.01
